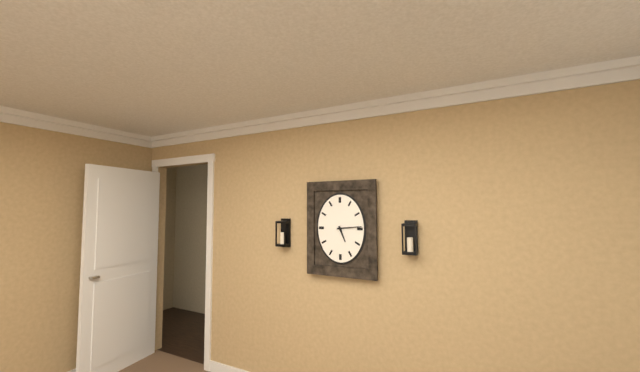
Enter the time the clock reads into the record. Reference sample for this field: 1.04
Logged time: 5.14
